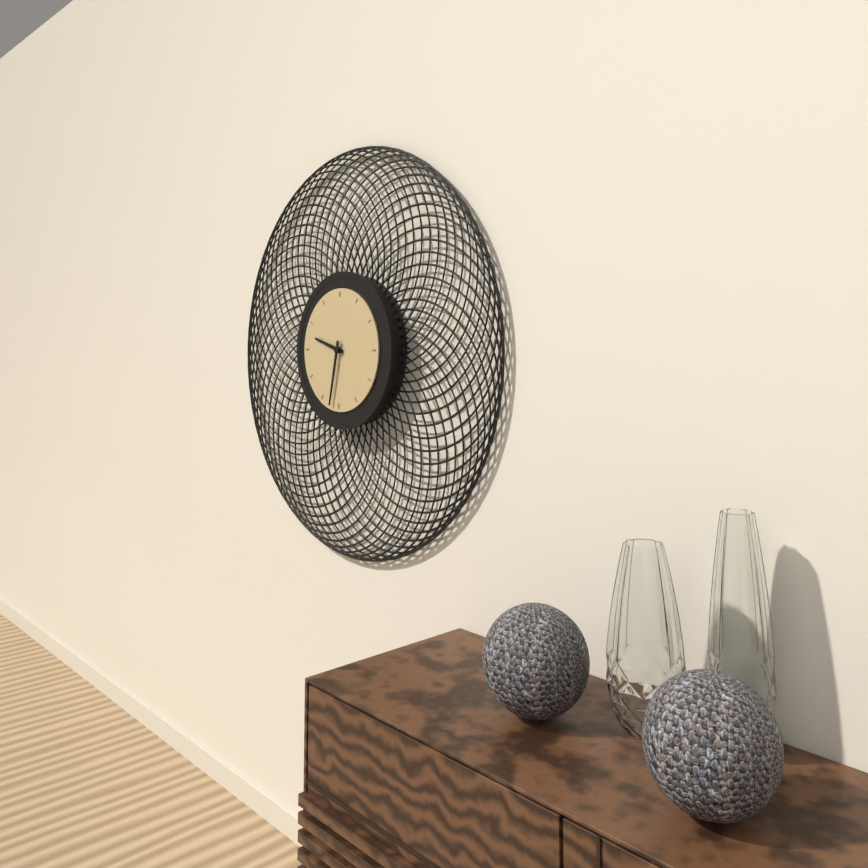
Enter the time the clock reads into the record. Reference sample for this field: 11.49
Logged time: 9.32
